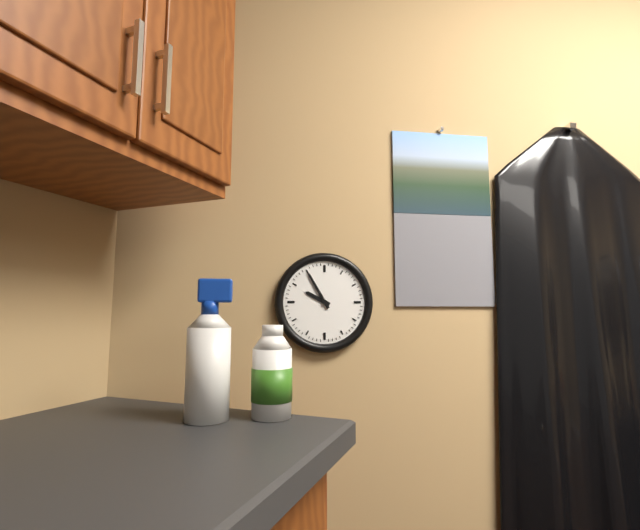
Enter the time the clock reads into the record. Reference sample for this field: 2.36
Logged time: 9.55
